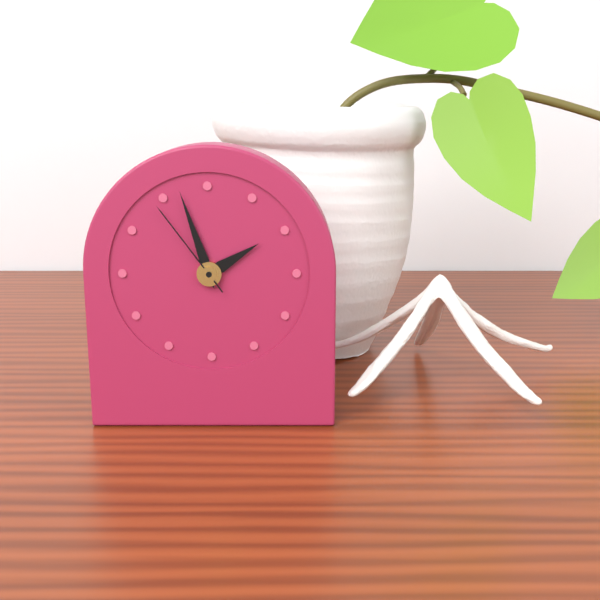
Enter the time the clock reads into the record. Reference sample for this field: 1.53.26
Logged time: 1.57.54
